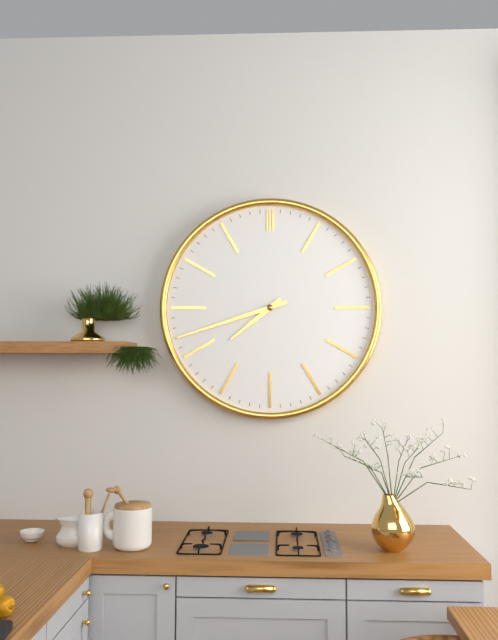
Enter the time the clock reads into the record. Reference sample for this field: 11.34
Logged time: 7.42
